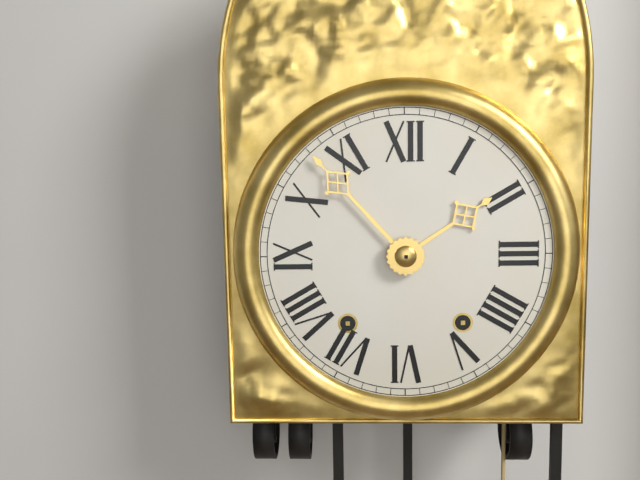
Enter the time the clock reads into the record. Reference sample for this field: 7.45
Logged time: 1.53
